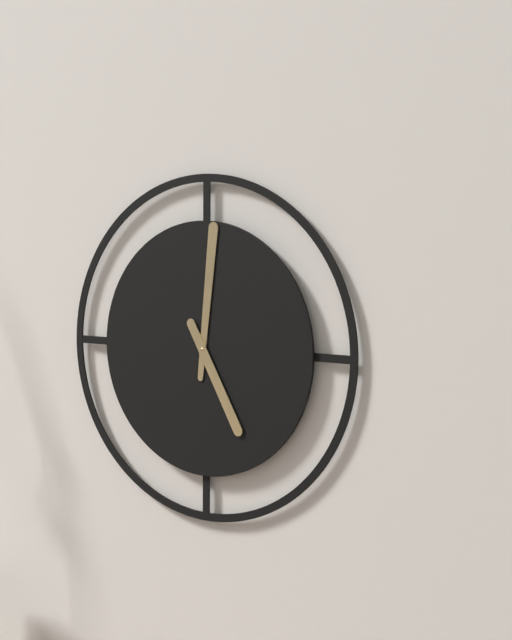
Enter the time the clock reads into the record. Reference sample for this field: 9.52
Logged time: 5.01
